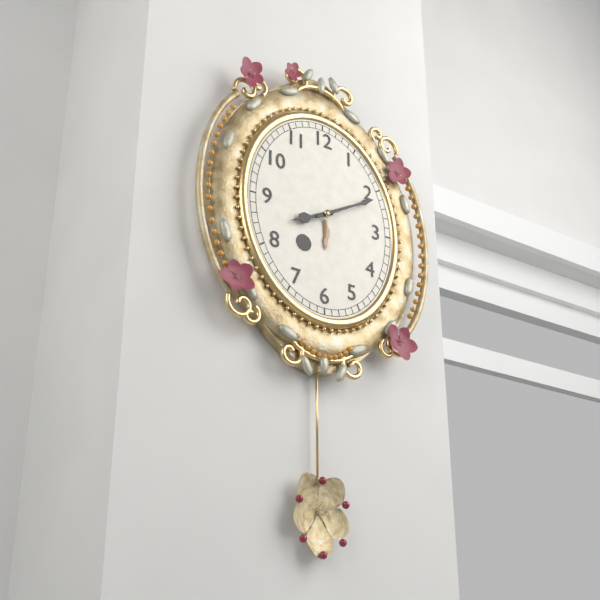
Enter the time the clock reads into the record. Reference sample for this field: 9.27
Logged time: 8.10
